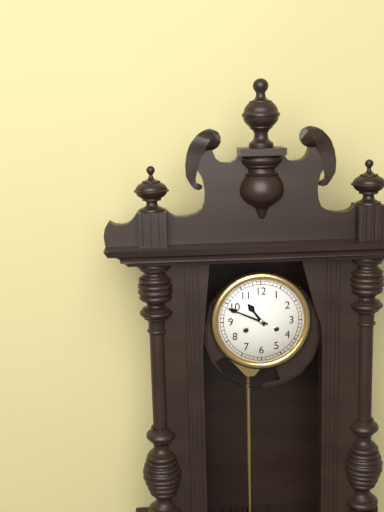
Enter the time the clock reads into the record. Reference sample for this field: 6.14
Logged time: 10.49
